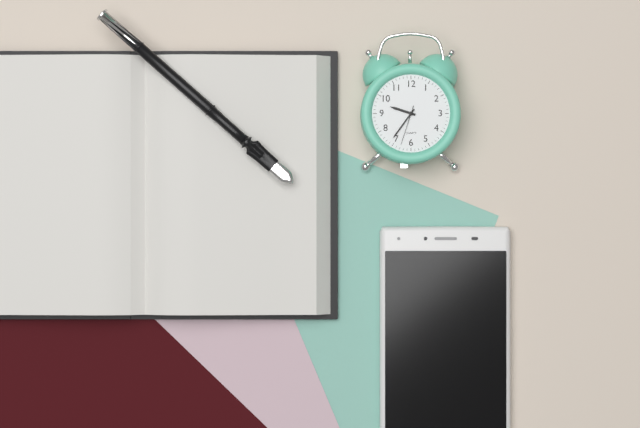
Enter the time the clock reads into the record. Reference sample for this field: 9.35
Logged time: 9.36
